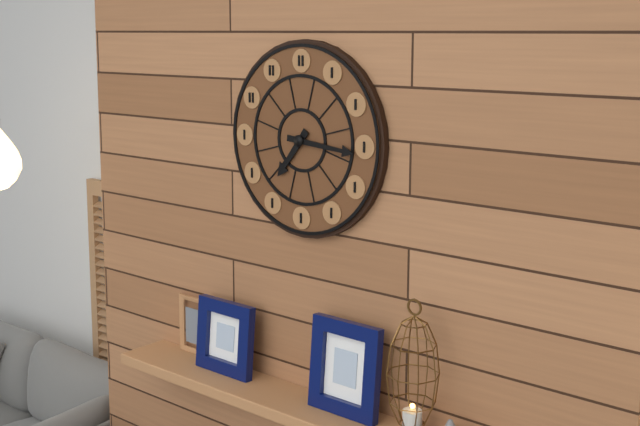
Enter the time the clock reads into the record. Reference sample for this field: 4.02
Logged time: 7.16
